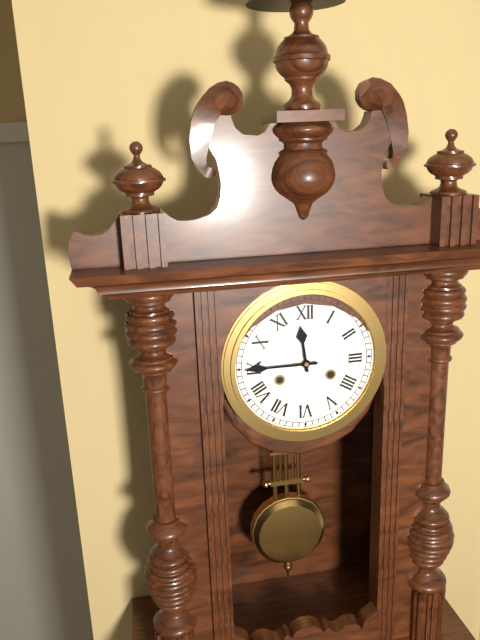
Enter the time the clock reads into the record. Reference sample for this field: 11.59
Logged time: 11.45
